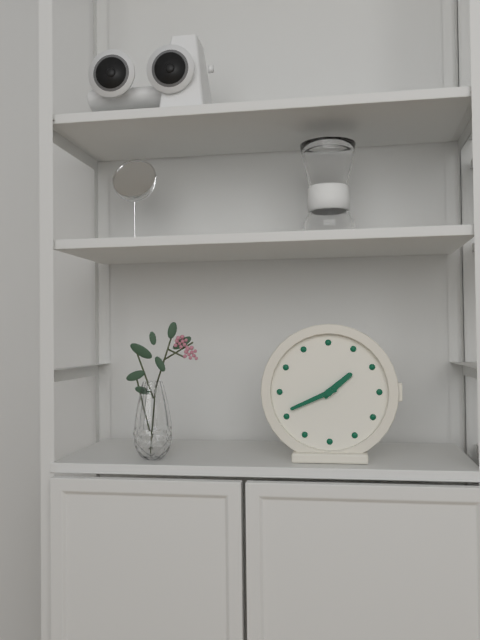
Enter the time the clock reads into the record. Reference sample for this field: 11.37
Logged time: 1.41
